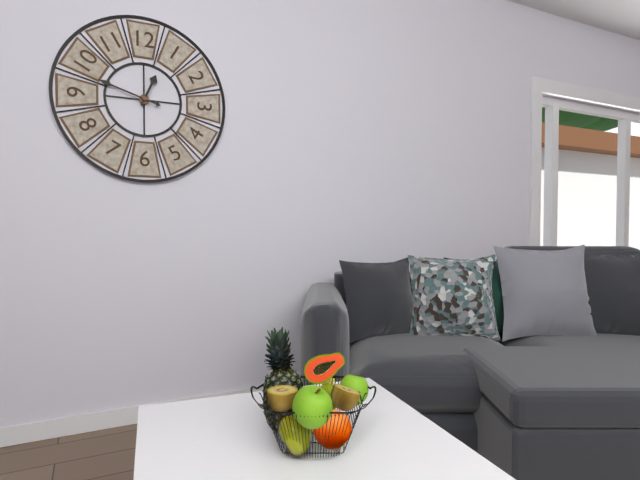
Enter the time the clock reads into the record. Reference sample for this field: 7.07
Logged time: 12.48
